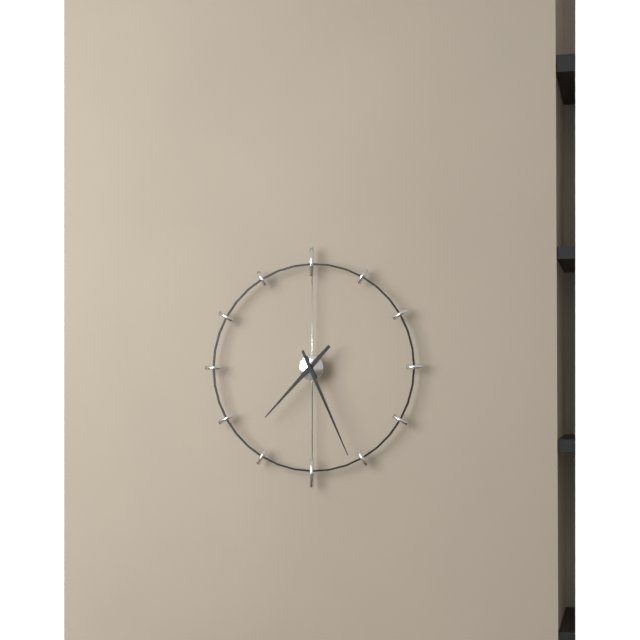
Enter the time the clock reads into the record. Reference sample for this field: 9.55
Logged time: 7.26
